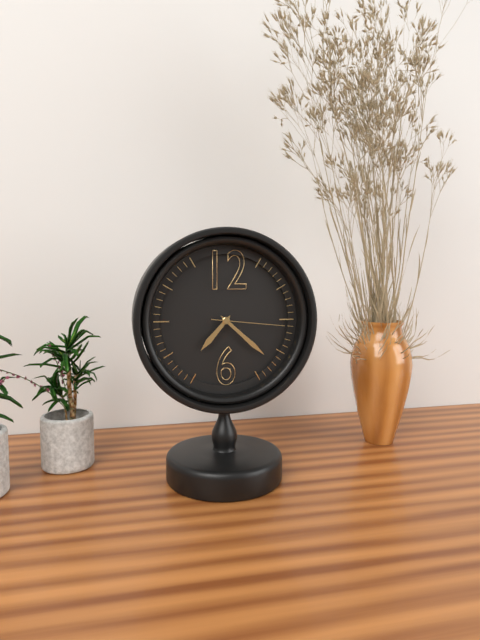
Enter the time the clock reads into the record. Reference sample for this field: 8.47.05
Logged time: 7.22.16
